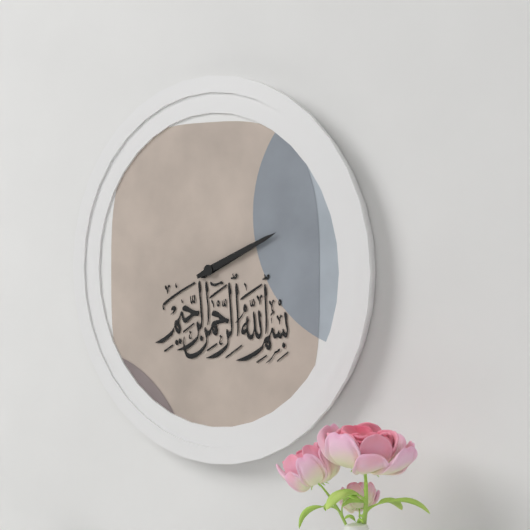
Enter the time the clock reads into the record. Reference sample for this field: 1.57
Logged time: 2.11
